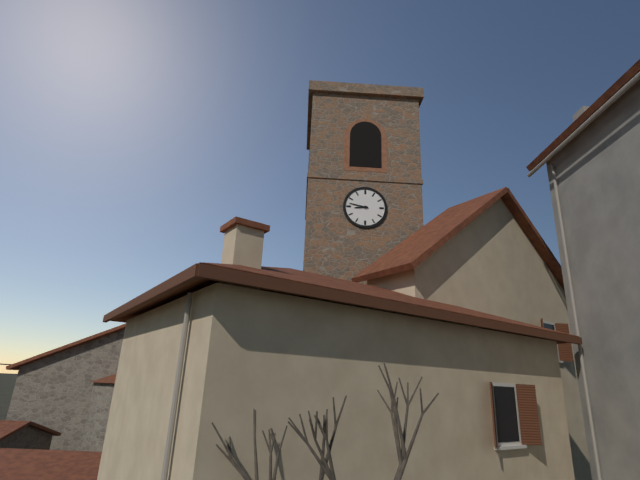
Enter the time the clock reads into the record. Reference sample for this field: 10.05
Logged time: 8.47
